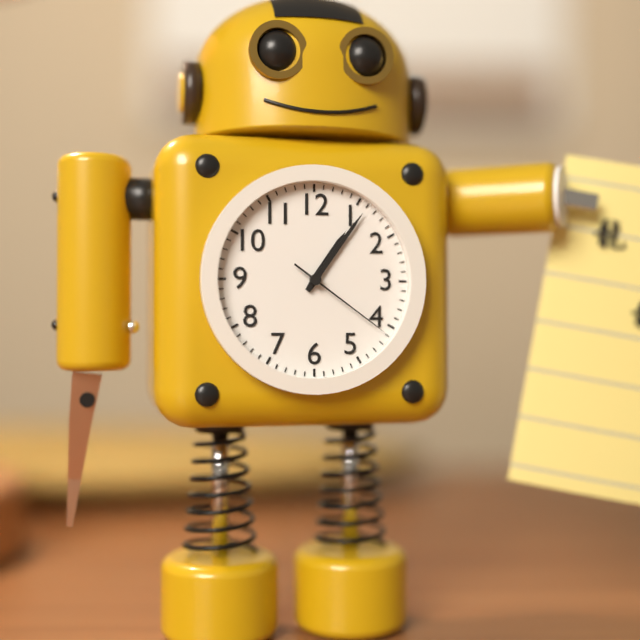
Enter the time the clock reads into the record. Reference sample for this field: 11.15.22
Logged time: 1.06.21
